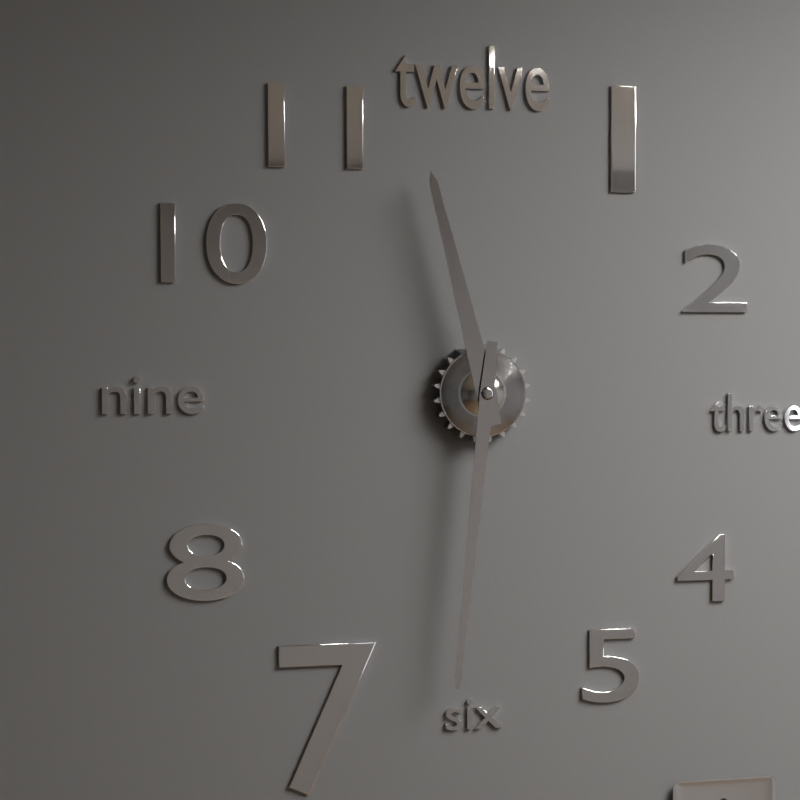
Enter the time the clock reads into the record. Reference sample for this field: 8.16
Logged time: 11.31
